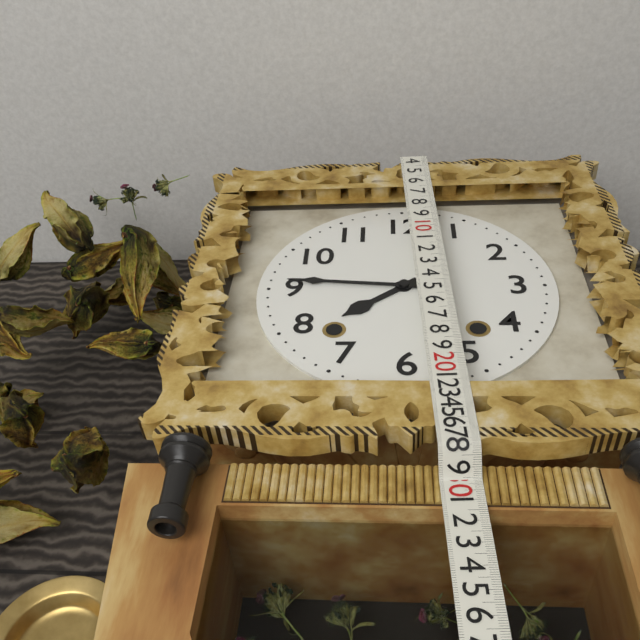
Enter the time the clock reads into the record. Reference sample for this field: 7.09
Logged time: 7.46
